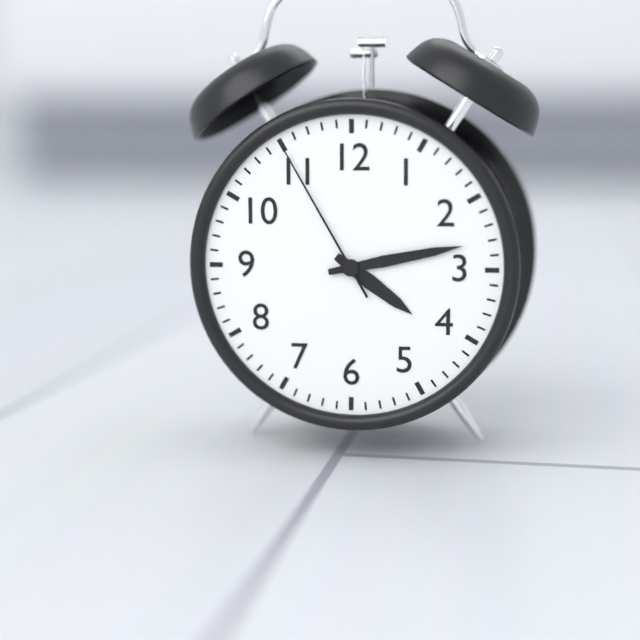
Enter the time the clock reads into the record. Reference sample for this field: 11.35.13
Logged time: 4.13.55
